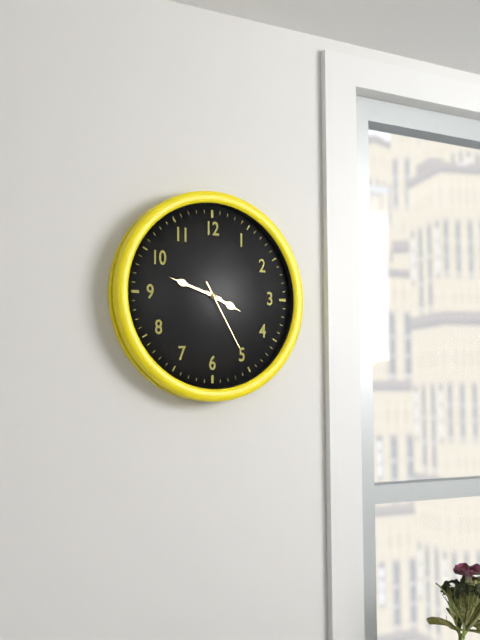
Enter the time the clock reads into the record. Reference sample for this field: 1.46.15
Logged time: 3.48.25
